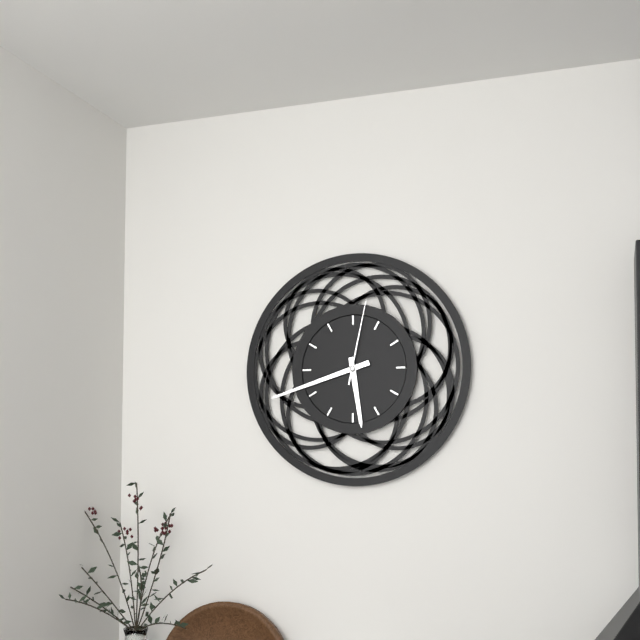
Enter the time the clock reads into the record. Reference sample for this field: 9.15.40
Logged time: 5.42.02
